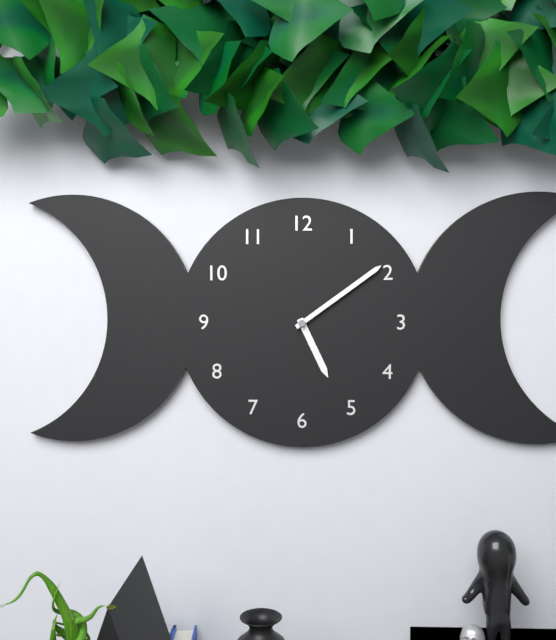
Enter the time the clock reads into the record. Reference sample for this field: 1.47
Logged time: 5.09
